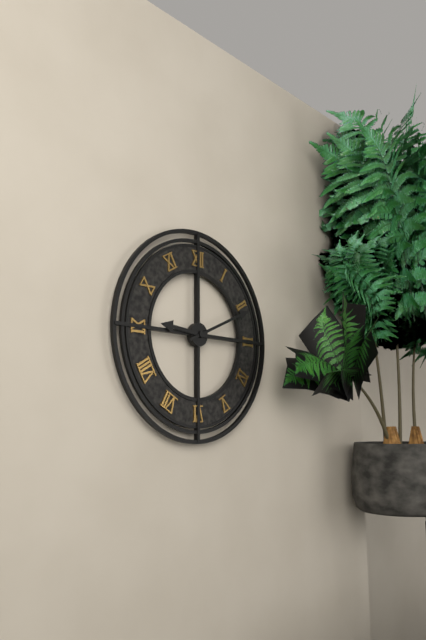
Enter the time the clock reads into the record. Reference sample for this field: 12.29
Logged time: 9.11
